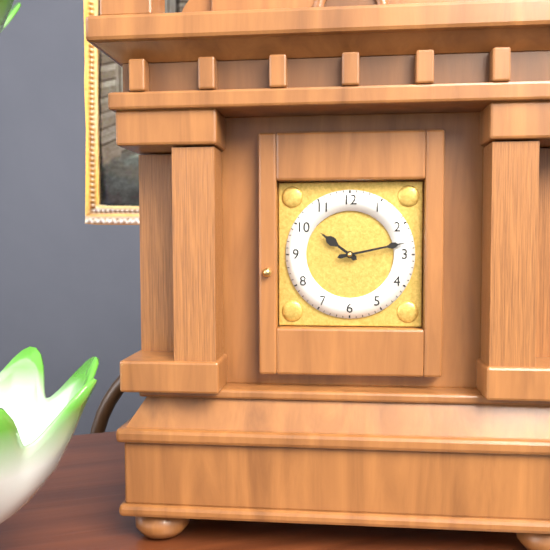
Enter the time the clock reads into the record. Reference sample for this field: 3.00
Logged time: 10.13
